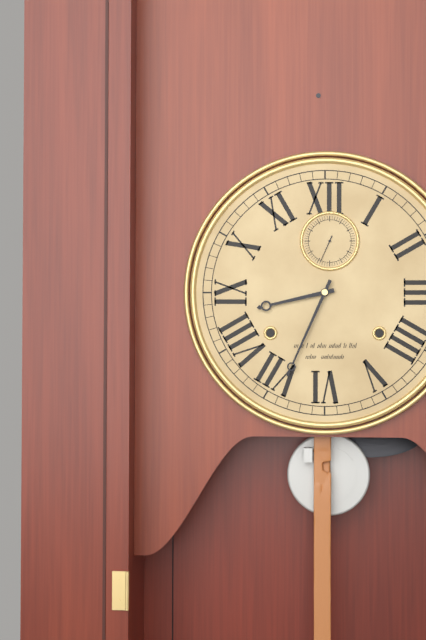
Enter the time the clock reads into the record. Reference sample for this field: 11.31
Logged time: 8.34
